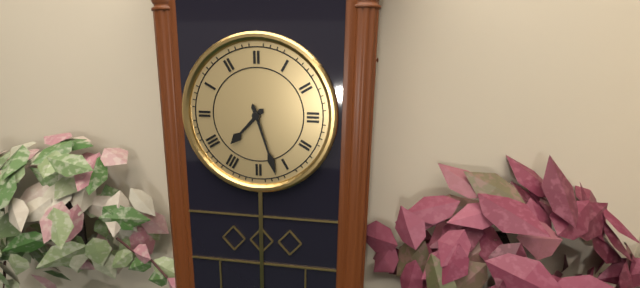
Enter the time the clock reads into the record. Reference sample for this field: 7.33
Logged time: 7.27
